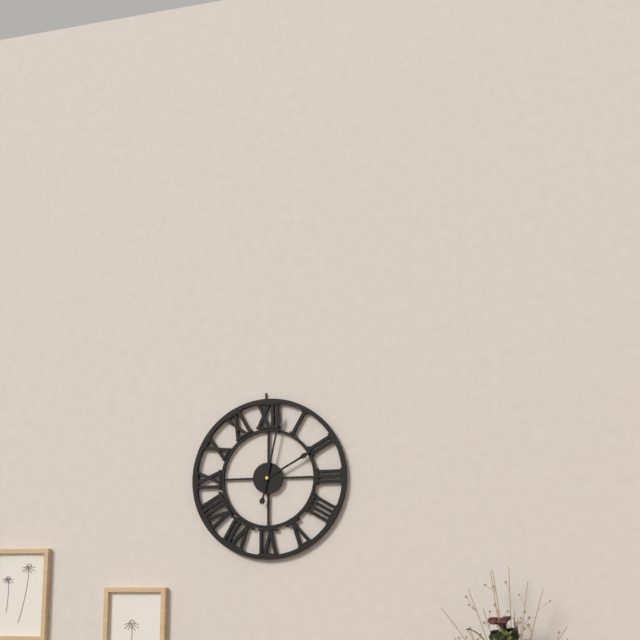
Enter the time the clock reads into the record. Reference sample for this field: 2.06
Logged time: 2.02
